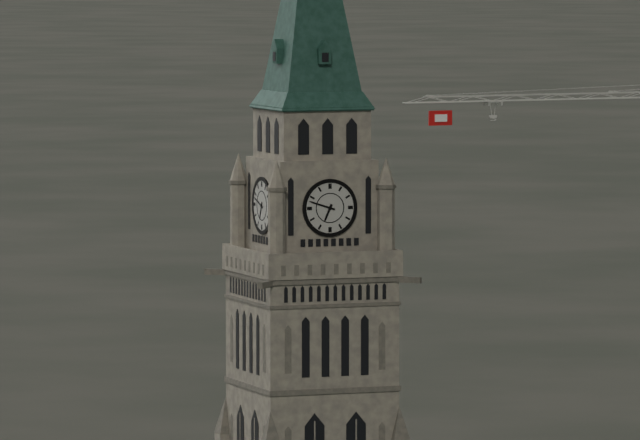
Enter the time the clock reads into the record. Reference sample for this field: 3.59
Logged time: 6.48
